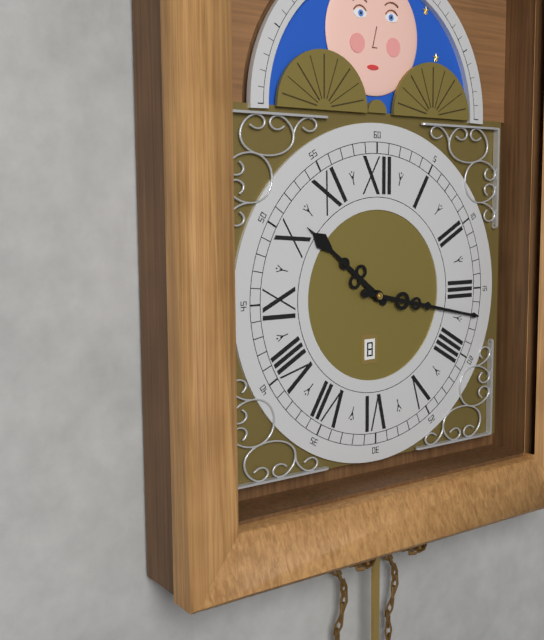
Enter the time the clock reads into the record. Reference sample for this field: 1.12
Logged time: 10.17
